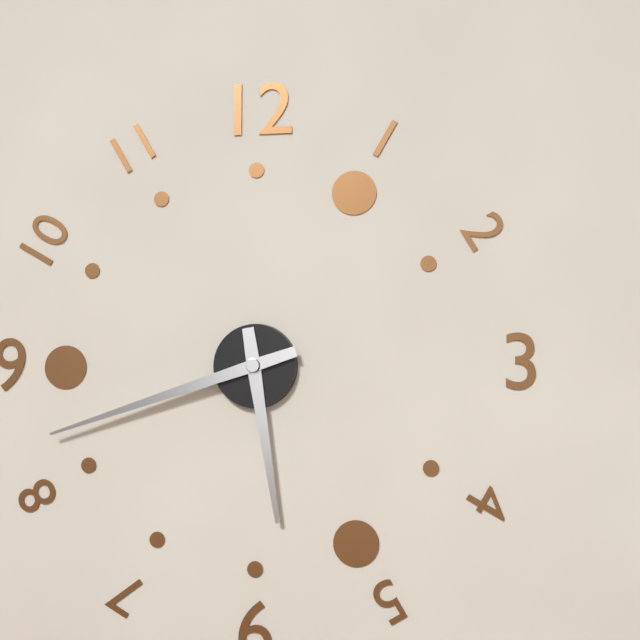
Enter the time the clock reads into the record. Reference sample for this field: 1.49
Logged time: 5.42
